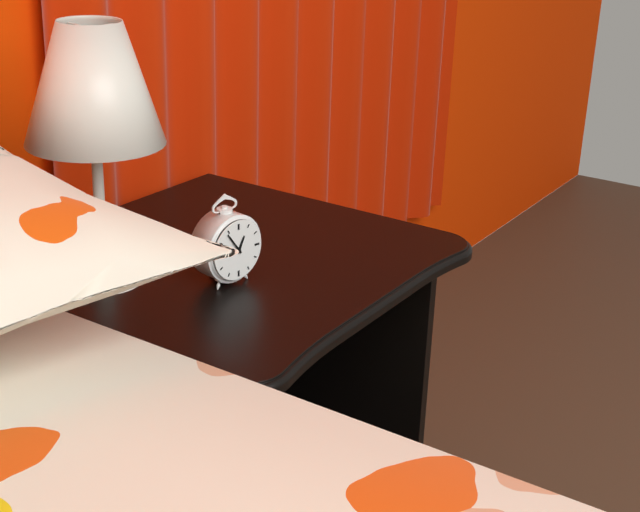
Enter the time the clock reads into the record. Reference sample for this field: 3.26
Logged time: 12.54
